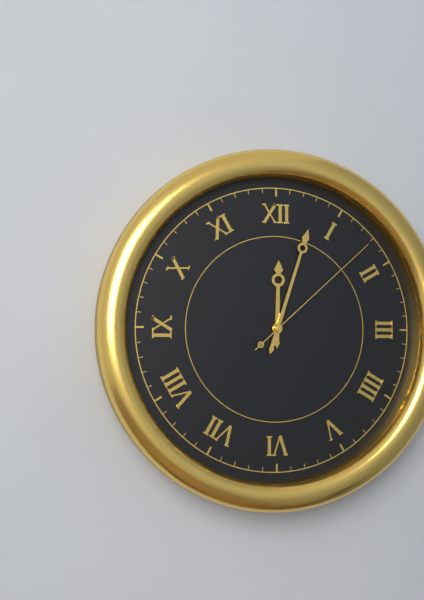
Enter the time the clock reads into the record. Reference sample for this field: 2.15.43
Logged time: 12.03.08
